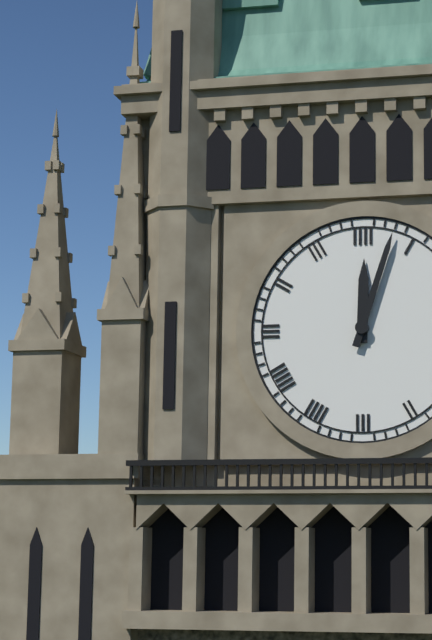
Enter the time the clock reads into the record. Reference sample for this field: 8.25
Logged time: 12.03
